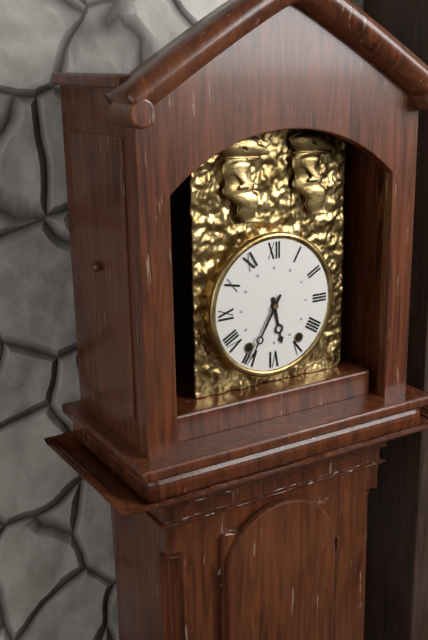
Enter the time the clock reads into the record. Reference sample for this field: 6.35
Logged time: 5.35
